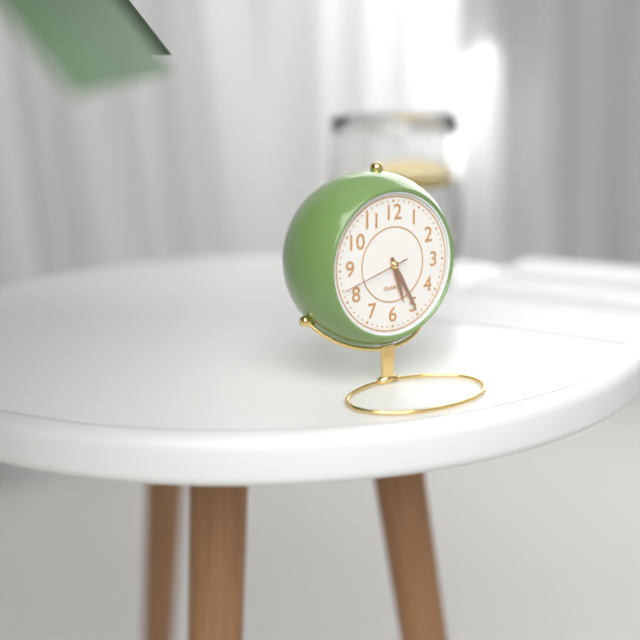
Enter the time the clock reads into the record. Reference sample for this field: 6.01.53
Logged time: 5.25.42
